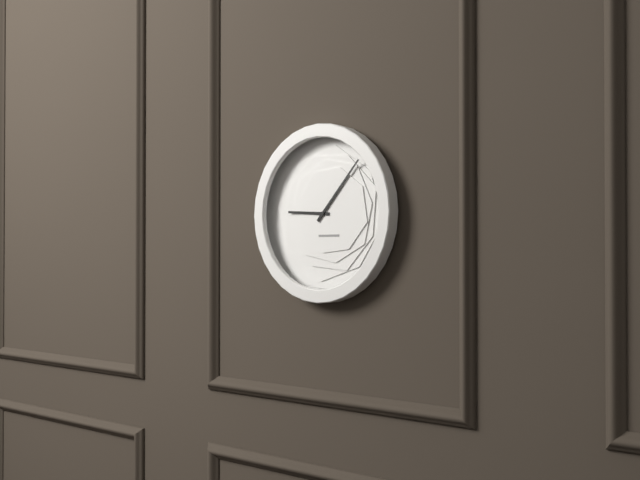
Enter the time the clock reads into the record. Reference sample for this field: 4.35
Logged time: 9.07
